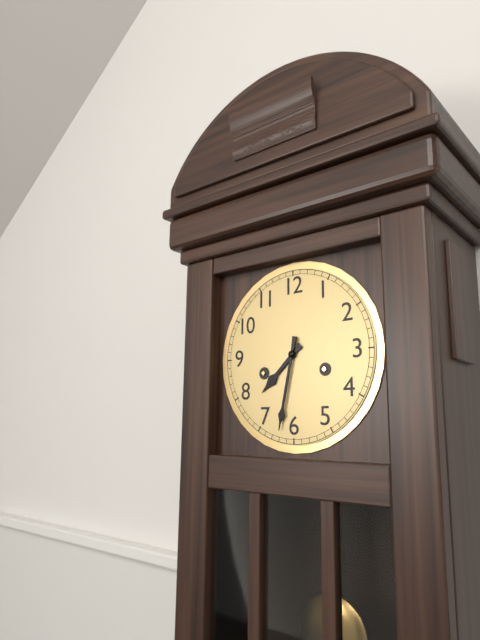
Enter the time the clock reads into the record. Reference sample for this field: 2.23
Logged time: 7.32
